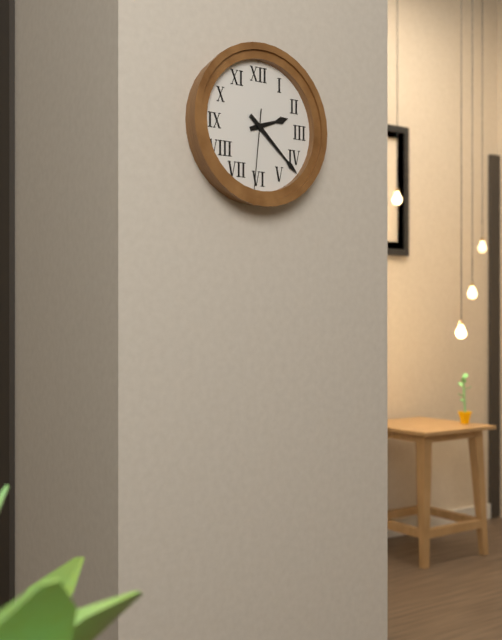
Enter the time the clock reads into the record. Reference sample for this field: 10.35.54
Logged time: 2.22.31
